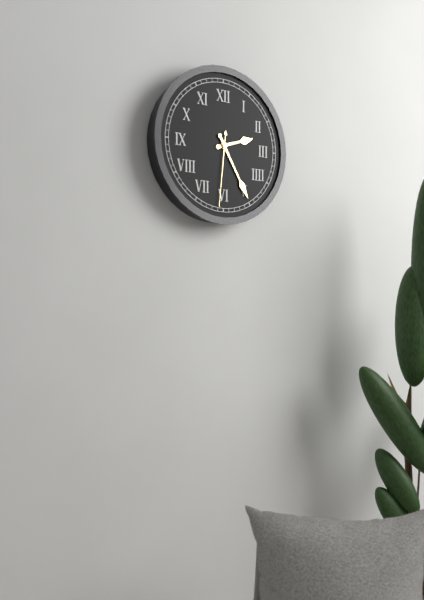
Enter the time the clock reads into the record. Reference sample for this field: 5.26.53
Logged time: 2.25.31
